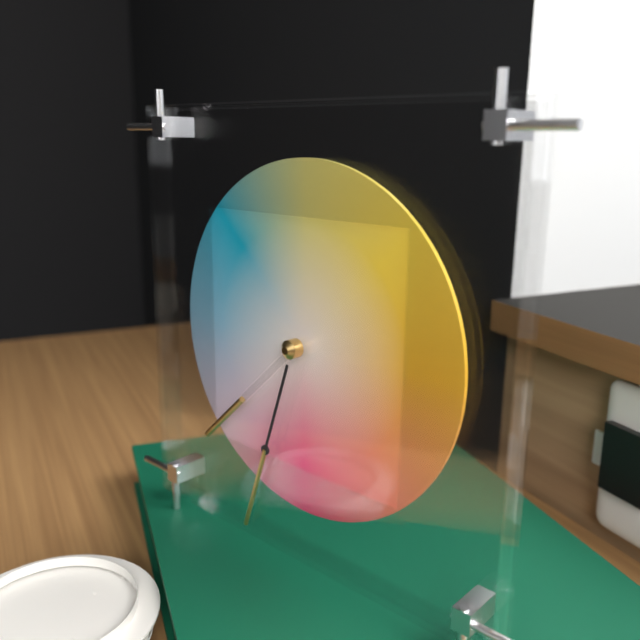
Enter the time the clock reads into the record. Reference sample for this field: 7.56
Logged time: 7.33
